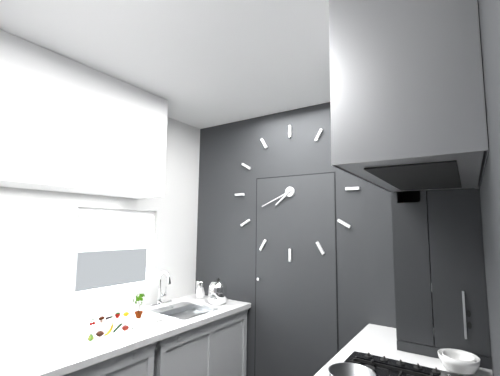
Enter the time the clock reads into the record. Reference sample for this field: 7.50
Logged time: 7.41
